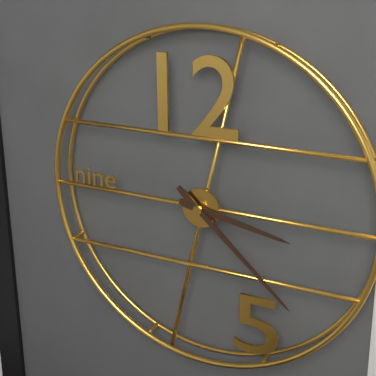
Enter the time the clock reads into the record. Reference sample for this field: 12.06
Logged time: 3.22
